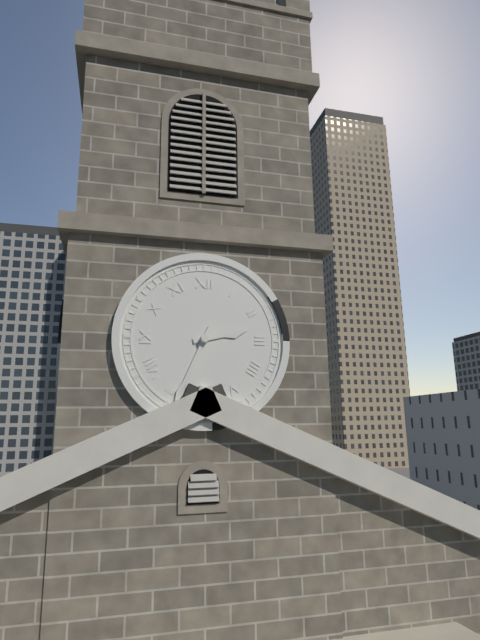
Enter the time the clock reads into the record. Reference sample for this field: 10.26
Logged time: 2.34
